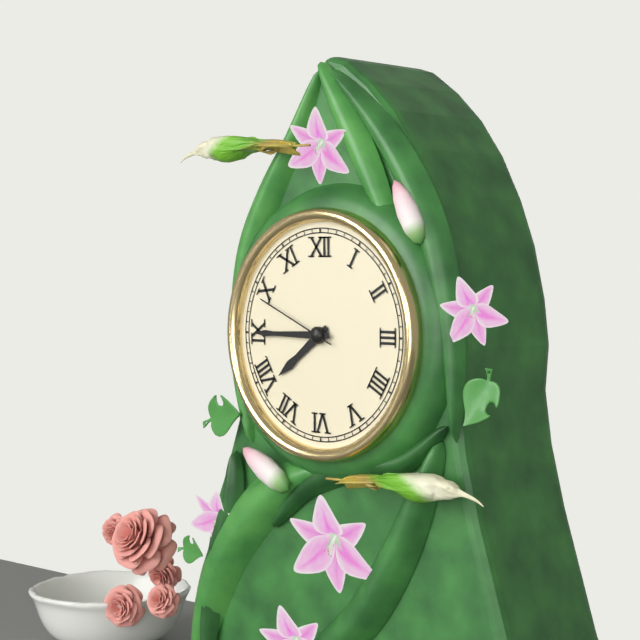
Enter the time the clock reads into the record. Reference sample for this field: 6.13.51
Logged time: 7.45.49
